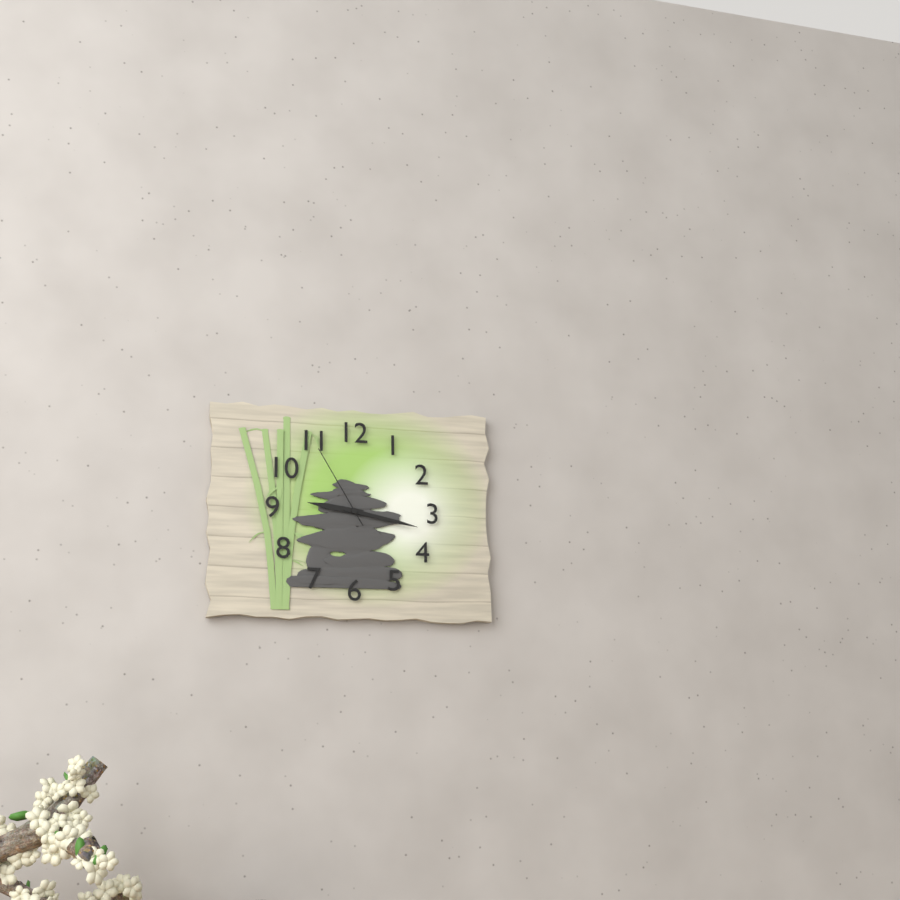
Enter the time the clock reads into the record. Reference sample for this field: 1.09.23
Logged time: 9.17.55
